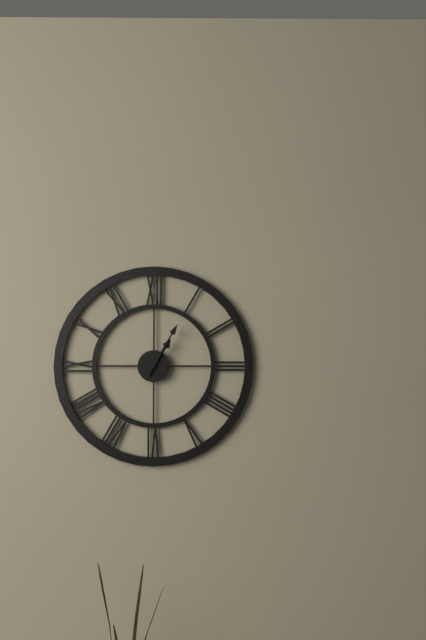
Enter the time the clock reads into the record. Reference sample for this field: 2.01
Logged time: 1.05
